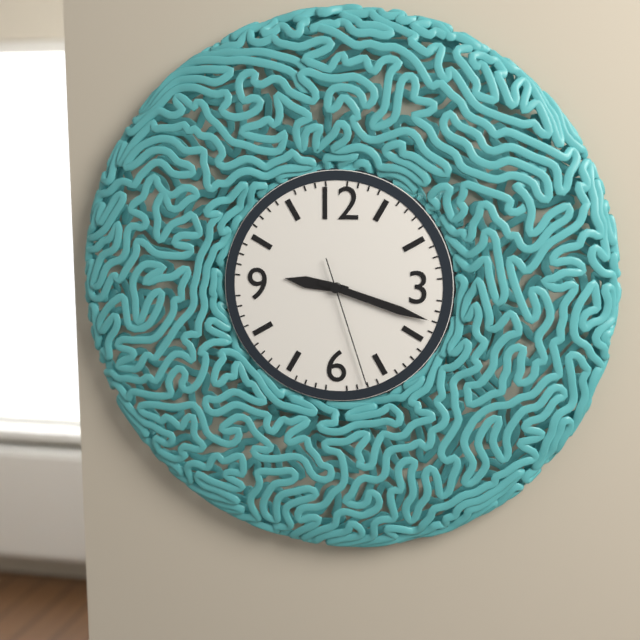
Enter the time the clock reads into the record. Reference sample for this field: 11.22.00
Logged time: 9.18.27
